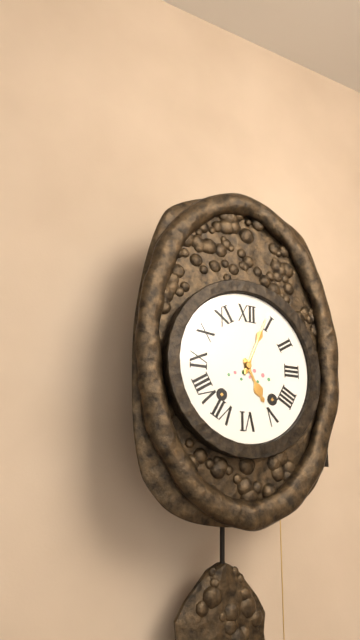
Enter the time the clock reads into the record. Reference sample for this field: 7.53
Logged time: 5.04
